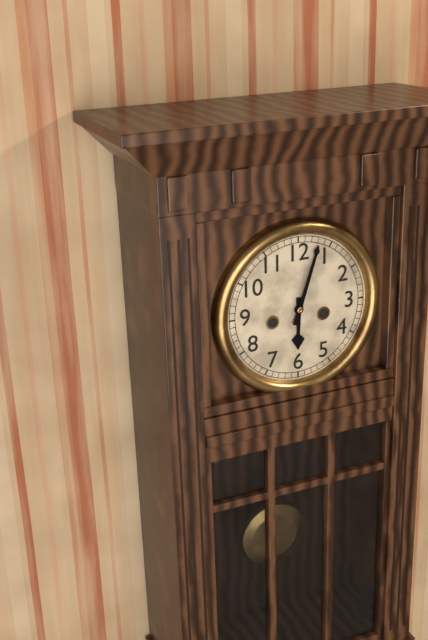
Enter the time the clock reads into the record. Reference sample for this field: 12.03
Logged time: 6.03
